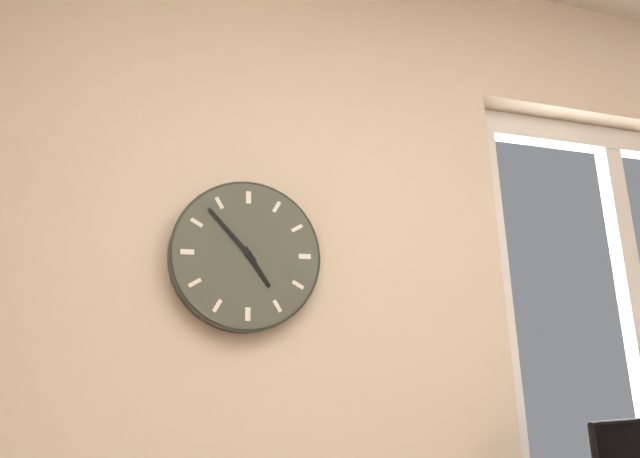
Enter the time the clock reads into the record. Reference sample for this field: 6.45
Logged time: 4.53
